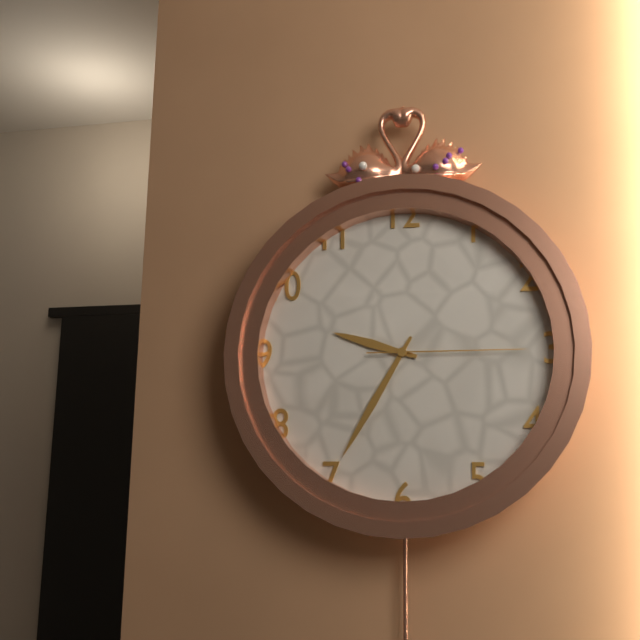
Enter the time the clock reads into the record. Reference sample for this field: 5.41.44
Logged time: 9.35.15
